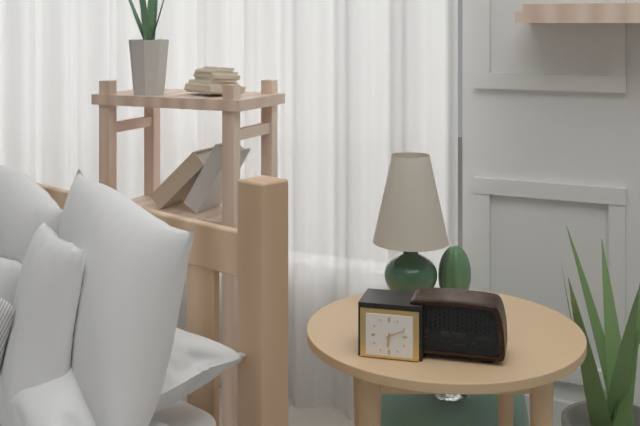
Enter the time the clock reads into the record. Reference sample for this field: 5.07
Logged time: 6.11
